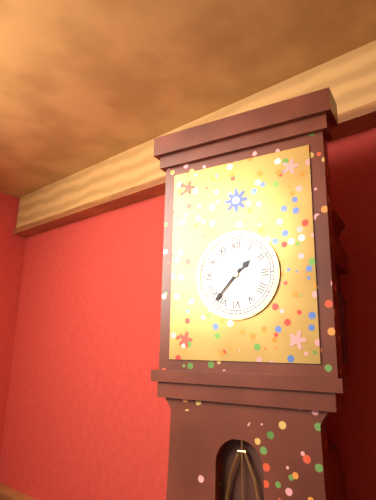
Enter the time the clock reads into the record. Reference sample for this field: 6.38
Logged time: 1.37
